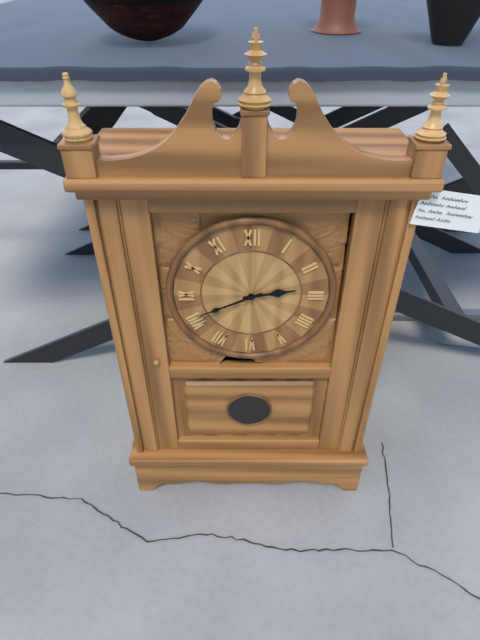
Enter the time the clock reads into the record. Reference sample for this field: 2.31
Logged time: 2.41
